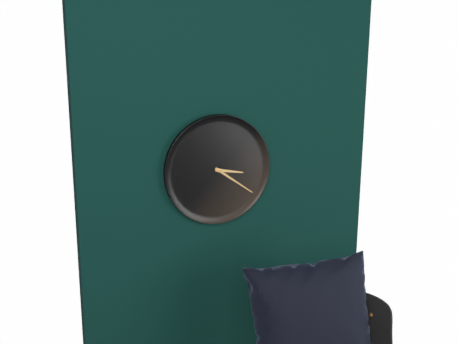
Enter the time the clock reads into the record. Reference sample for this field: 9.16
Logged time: 3.21
